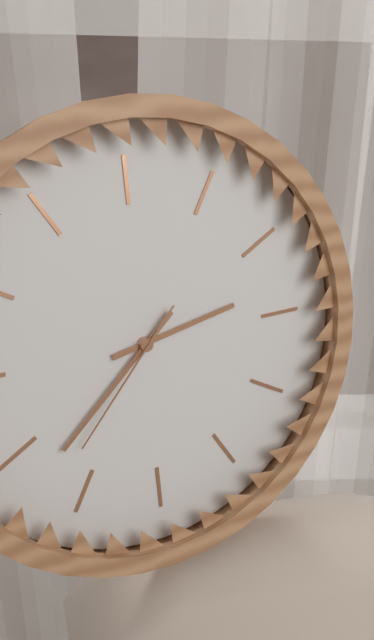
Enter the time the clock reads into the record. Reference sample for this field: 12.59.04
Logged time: 2.38.37
